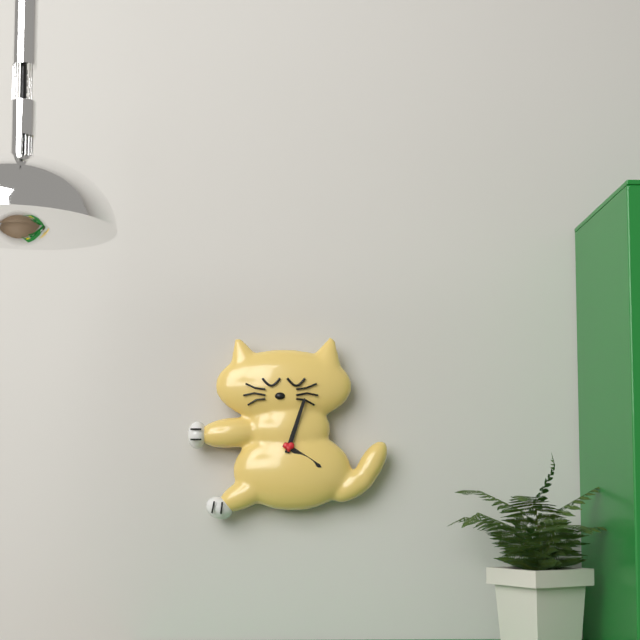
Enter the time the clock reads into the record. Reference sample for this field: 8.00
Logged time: 4.03
